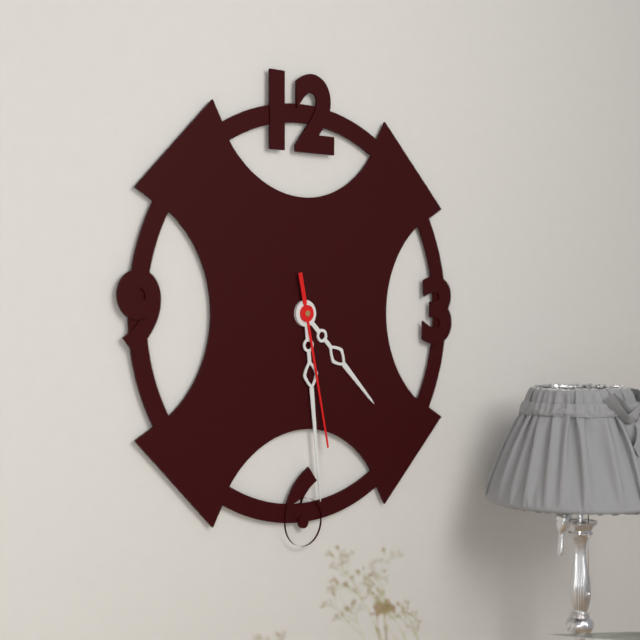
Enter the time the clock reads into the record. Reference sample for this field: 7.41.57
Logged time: 4.29.28
